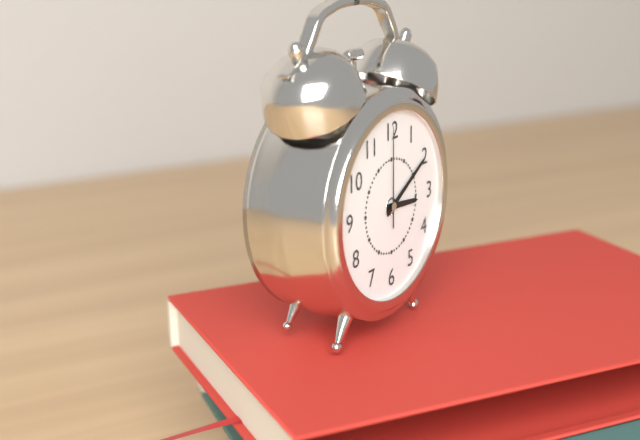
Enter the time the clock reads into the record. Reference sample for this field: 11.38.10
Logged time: 3.10.00
